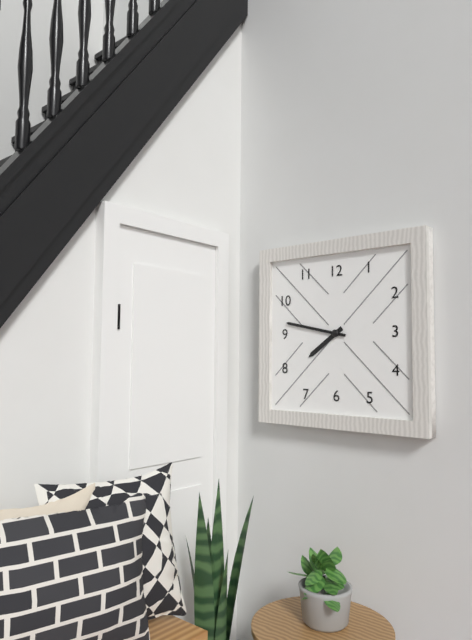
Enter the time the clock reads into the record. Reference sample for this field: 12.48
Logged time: 7.47
